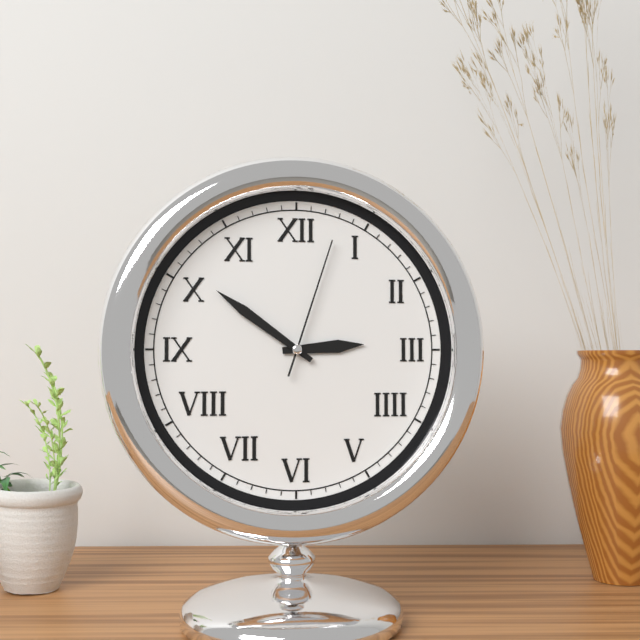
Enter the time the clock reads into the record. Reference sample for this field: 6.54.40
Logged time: 2.51.03
